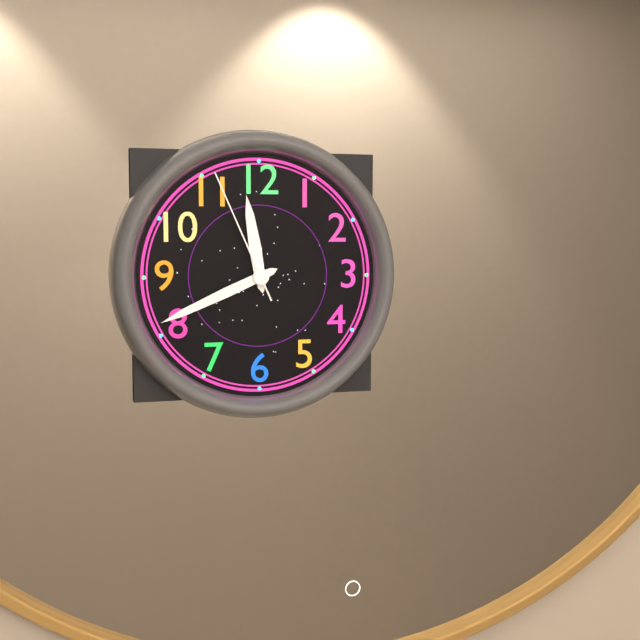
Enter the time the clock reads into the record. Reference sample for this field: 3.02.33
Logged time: 11.41.56
